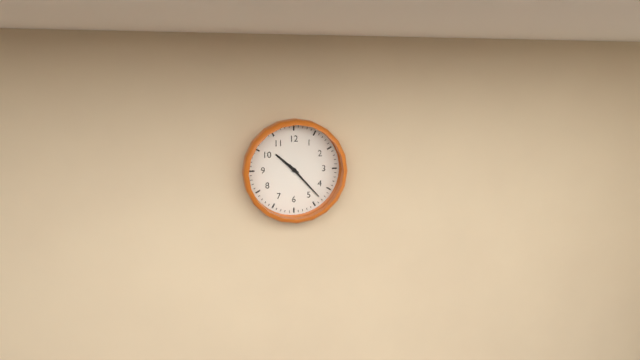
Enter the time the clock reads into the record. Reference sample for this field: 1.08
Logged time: 10.23
